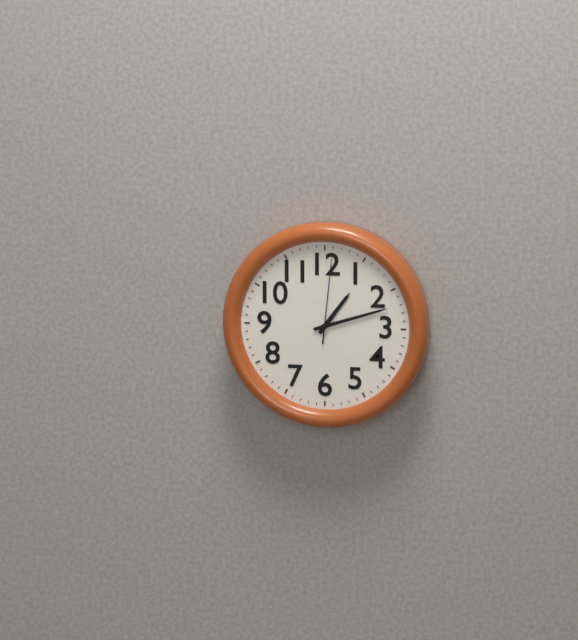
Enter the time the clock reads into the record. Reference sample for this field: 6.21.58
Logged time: 1.12.01
